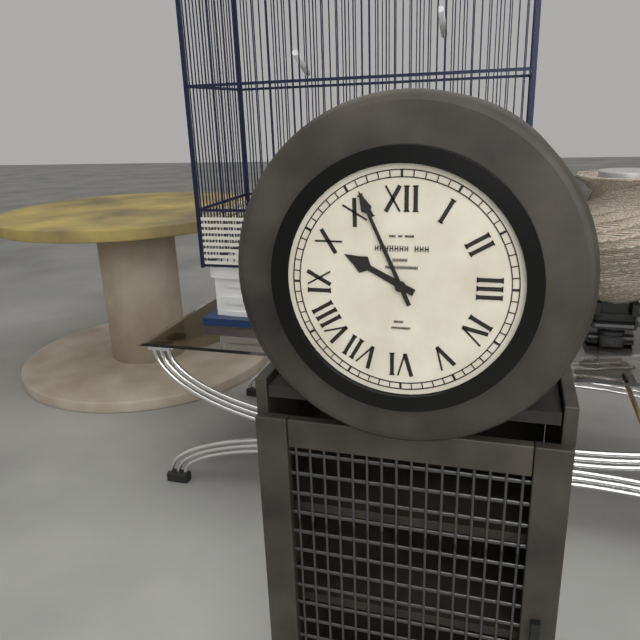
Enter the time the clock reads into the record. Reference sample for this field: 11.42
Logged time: 9.56
